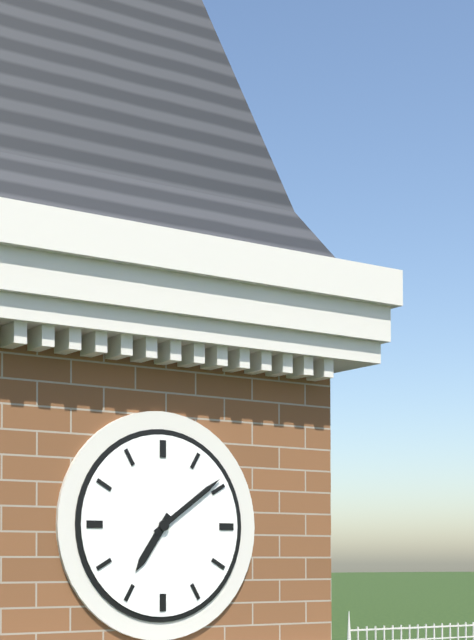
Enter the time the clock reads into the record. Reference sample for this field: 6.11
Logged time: 7.09
